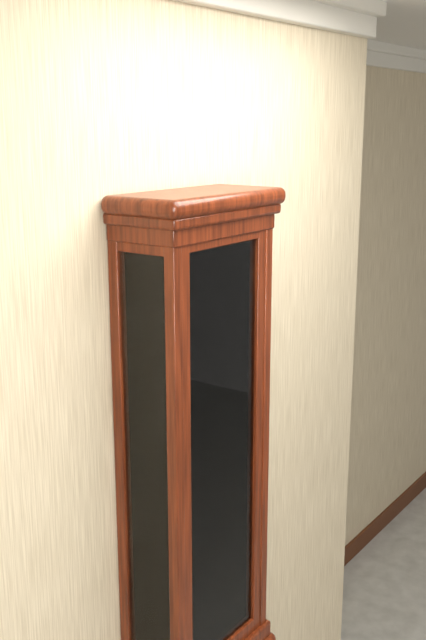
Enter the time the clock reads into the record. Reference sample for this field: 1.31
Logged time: 7.59
